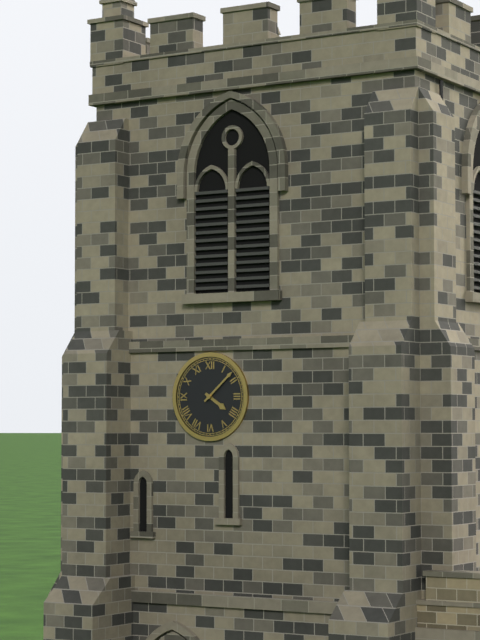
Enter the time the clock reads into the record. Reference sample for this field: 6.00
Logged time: 4.08
